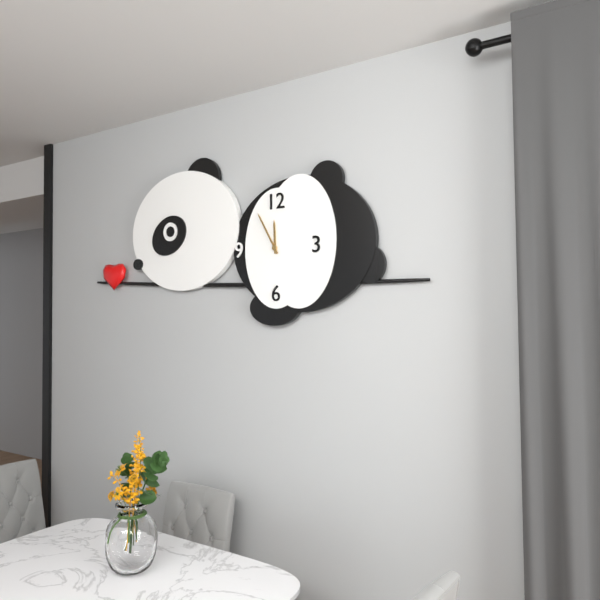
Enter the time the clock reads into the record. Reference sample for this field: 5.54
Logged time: 11.55
